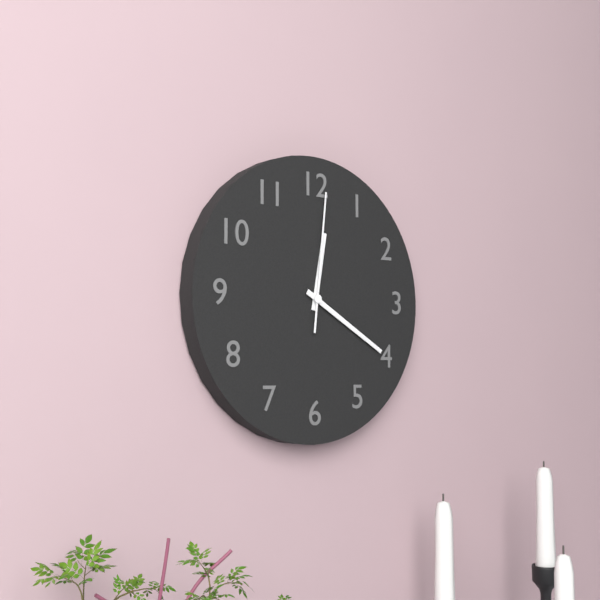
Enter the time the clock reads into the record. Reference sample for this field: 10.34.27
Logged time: 12.20.01
